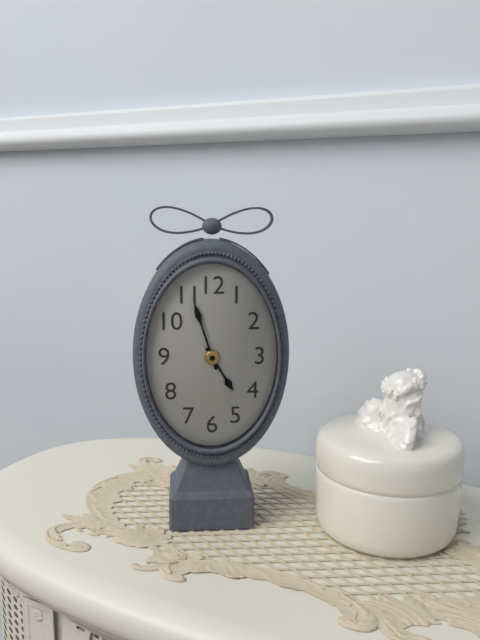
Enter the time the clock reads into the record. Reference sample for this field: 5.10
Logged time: 4.57
